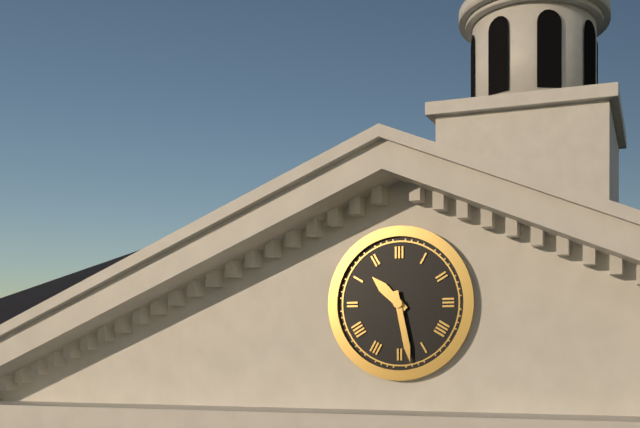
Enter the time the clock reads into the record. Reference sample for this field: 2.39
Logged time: 10.28
